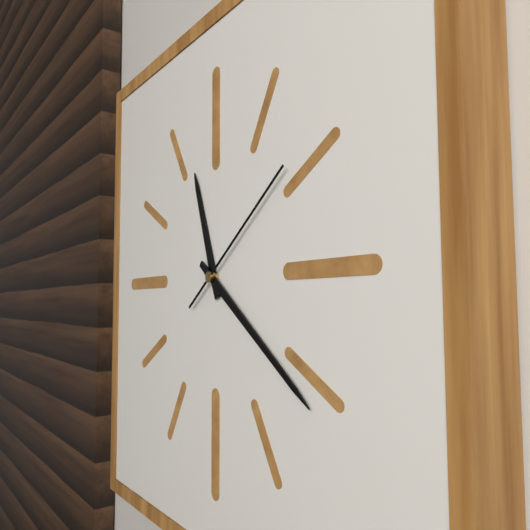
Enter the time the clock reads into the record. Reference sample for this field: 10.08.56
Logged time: 11.21.09
